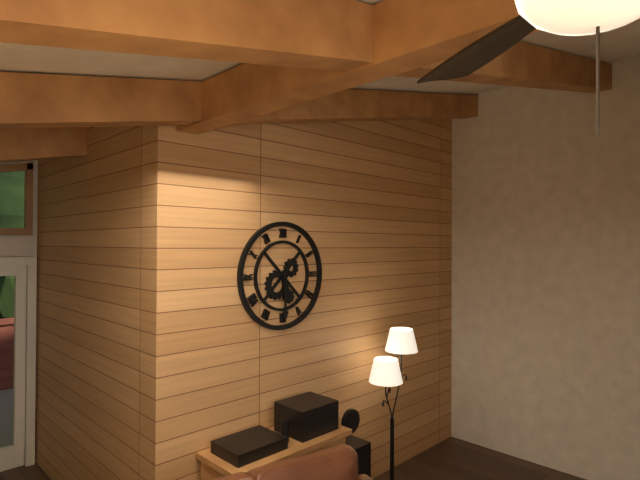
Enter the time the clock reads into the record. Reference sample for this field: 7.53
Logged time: 5.30
